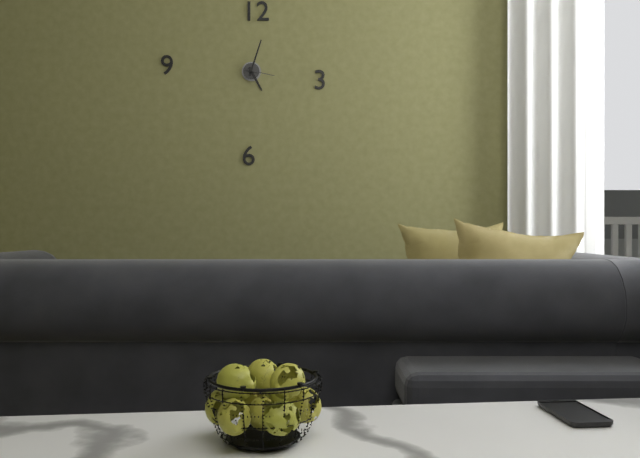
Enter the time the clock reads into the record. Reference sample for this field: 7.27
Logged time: 5.03
